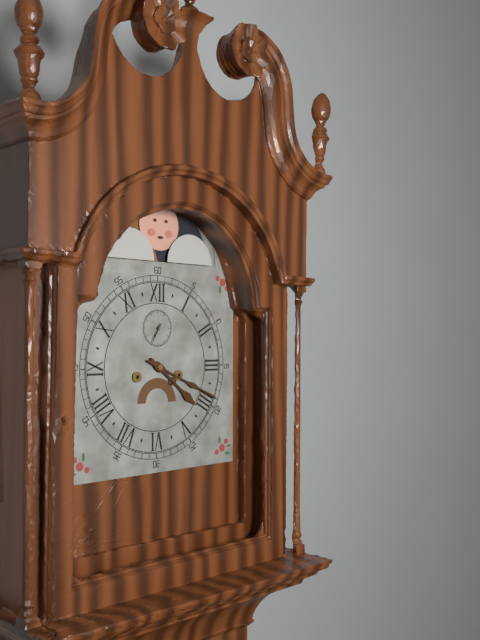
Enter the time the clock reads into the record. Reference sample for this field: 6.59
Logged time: 4.19
